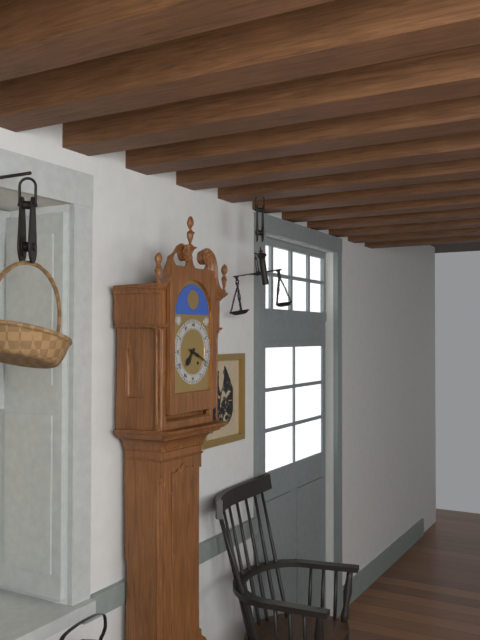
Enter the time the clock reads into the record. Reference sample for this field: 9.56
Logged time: 7.19
